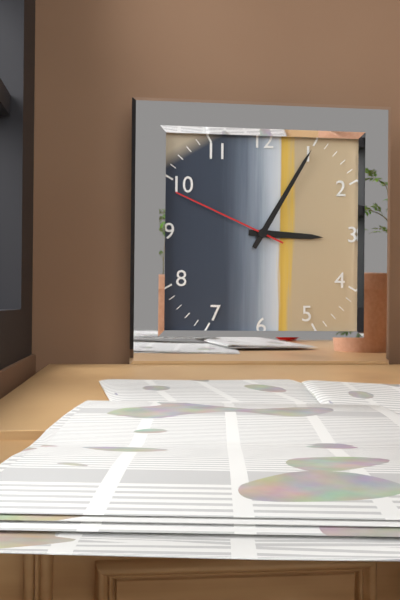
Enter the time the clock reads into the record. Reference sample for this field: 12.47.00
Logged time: 3.05.49
